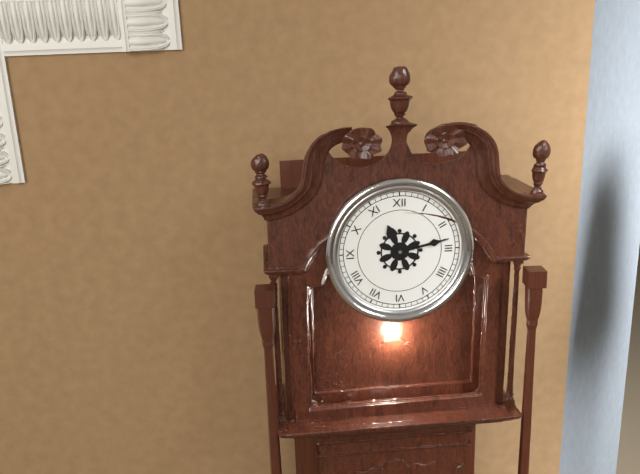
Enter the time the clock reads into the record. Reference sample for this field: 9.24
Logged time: 11.13
